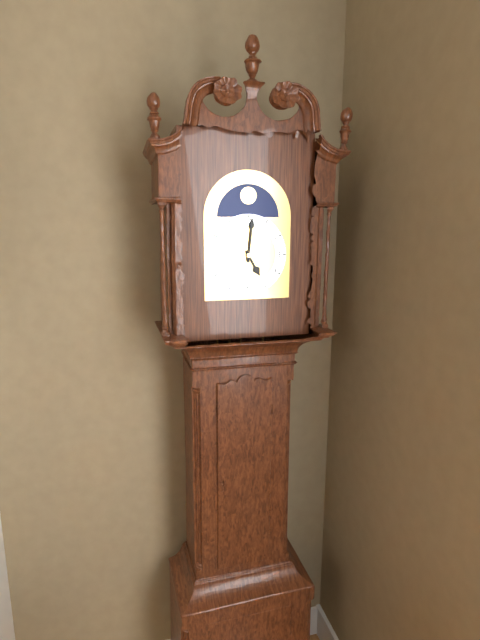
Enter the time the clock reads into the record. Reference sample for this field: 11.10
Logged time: 5.01
